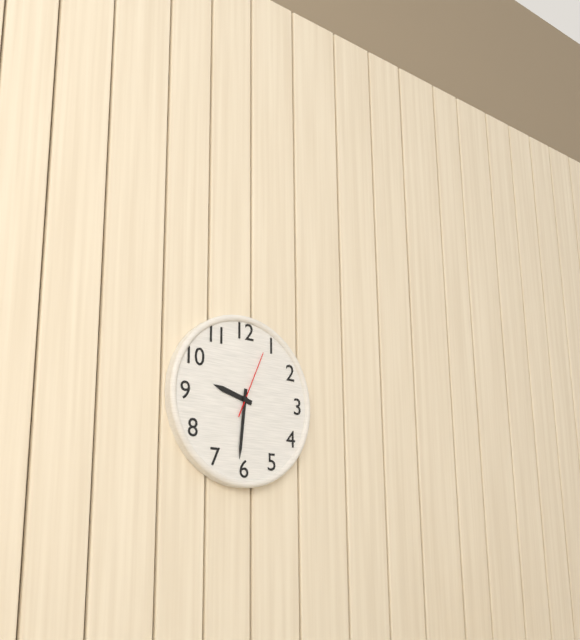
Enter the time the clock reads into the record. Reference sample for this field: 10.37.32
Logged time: 9.31.04
